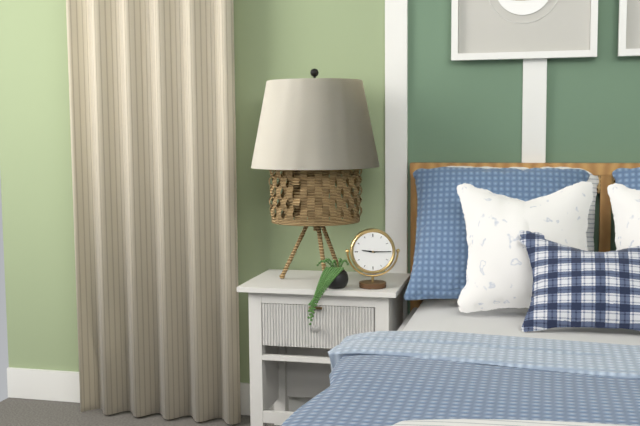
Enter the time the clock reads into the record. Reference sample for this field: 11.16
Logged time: 9.15
